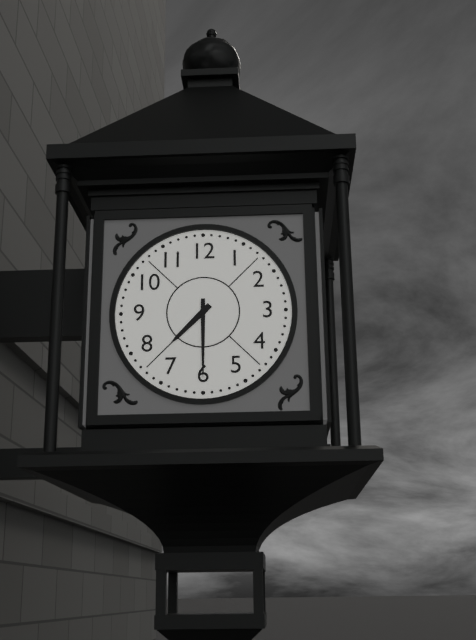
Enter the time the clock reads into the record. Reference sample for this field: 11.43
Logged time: 7.30
